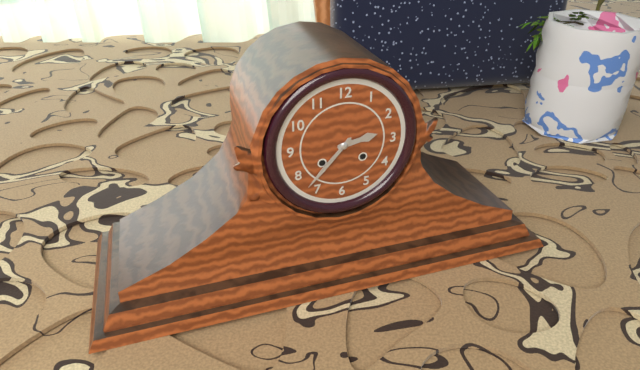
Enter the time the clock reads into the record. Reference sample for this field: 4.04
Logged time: 2.37
